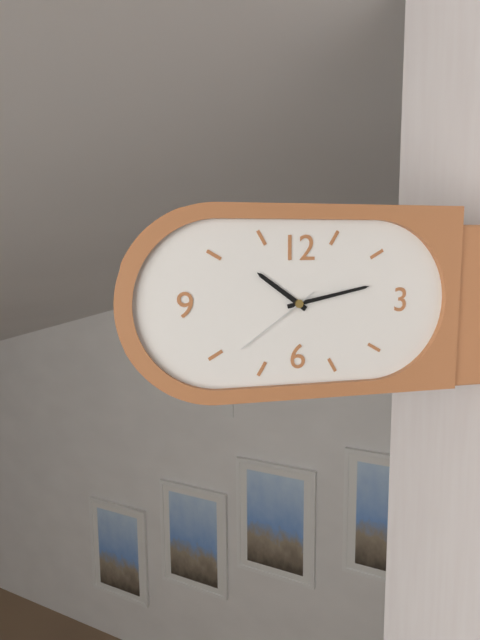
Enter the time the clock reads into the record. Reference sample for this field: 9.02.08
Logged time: 10.13.39
